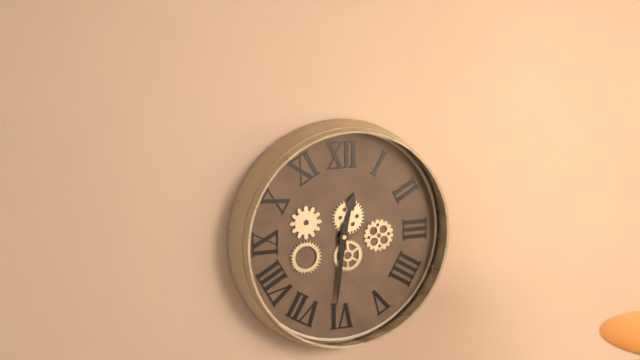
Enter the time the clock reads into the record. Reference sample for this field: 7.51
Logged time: 12.31
